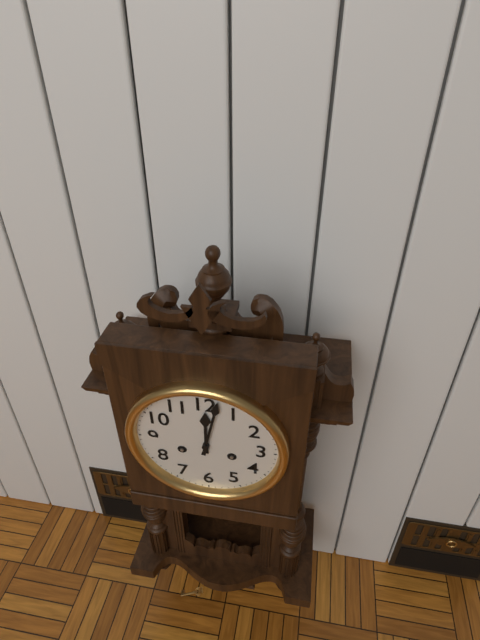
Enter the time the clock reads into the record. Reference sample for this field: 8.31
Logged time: 12.02
